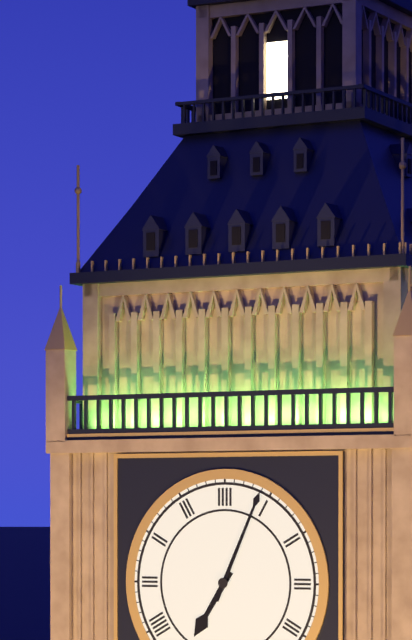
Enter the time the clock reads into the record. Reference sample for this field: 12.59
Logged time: 7.04
